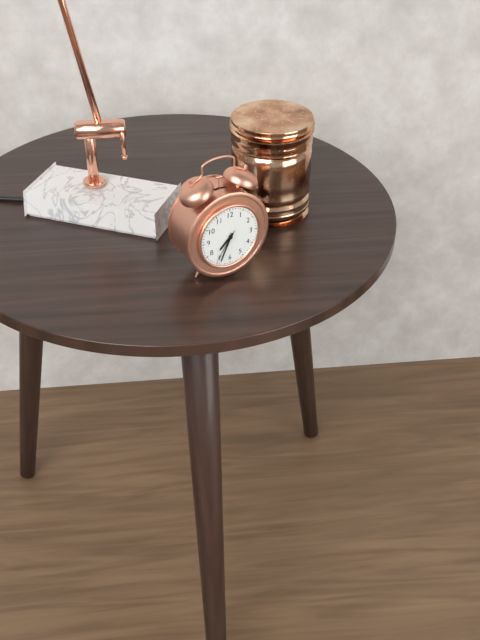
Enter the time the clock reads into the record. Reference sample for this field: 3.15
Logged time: 7.34
